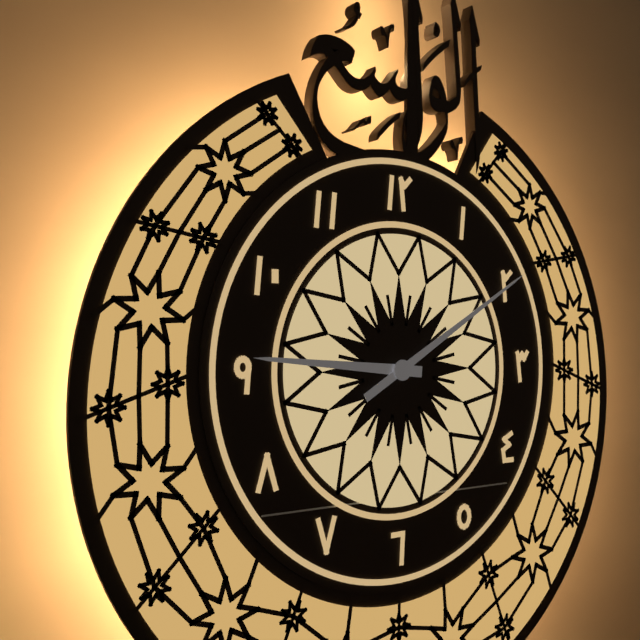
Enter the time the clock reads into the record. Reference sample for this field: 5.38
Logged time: 9.10
